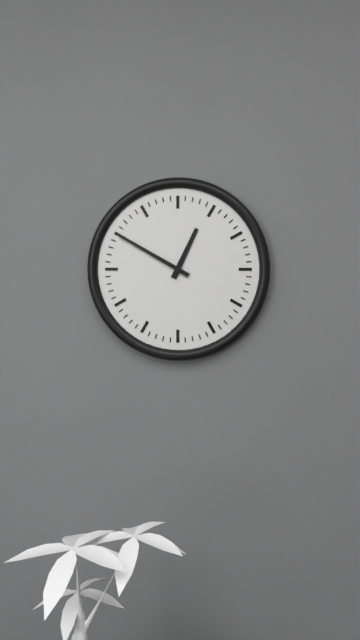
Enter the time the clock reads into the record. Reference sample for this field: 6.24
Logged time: 12.50
